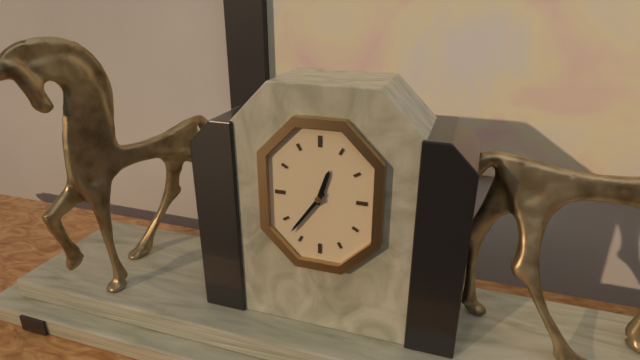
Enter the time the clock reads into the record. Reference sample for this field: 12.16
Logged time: 12.36
